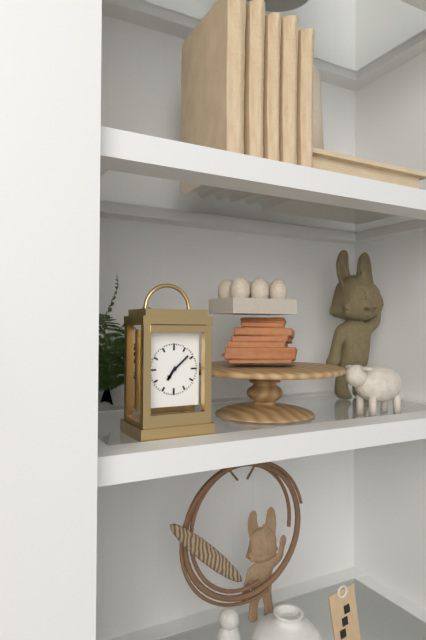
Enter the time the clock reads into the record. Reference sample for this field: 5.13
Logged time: 7.08
